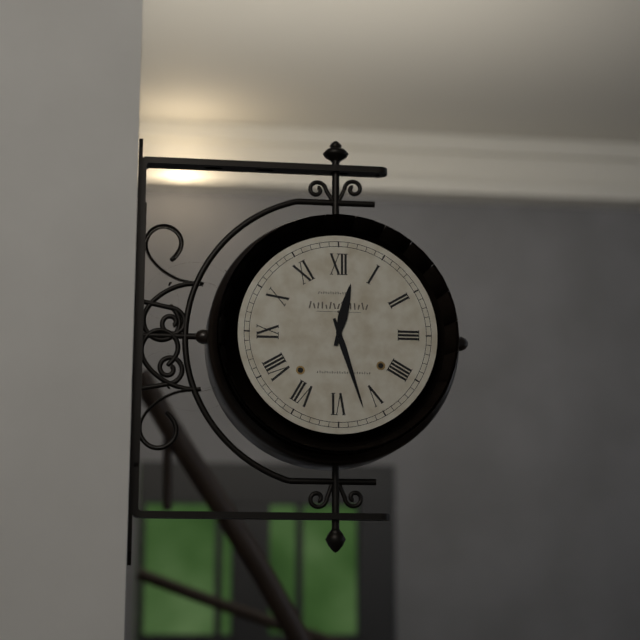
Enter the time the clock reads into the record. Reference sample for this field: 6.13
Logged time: 12.27
